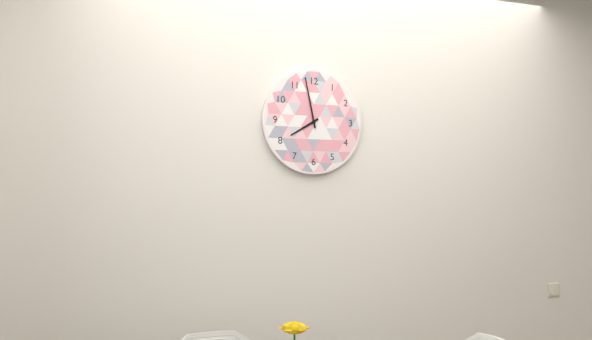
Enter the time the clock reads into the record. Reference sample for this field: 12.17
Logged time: 7.58
